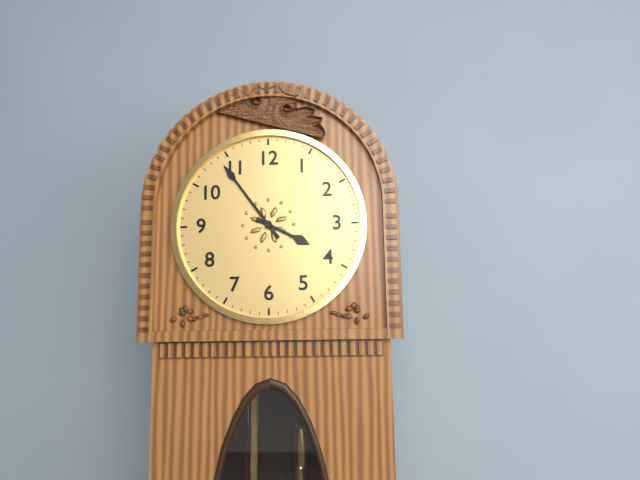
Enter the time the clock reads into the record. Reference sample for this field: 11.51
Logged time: 3.54
